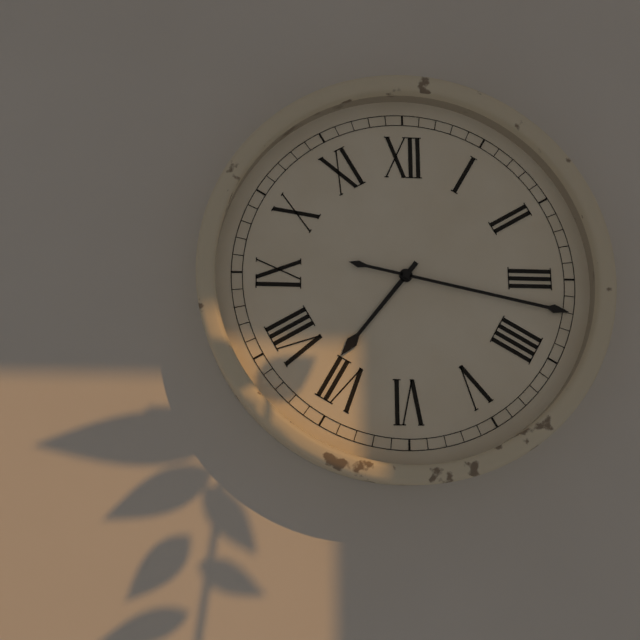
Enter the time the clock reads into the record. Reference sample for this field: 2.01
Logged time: 7.17
